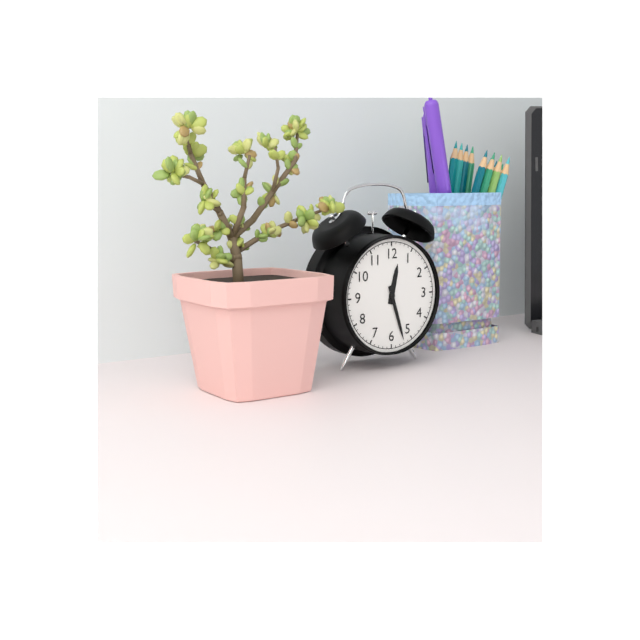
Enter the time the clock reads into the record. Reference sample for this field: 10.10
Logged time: 12.27
